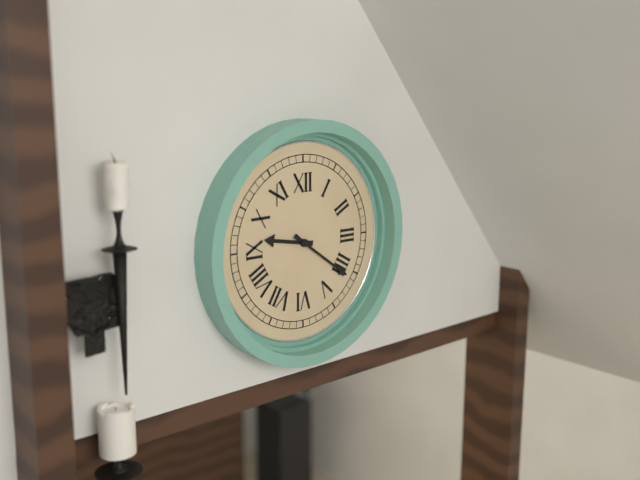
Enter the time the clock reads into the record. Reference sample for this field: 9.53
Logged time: 9.21
